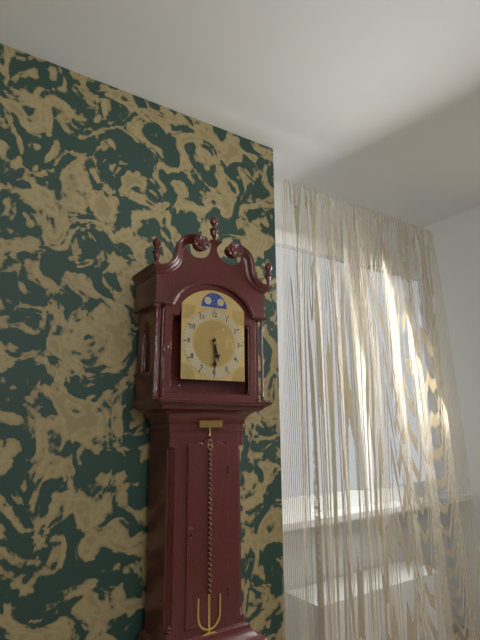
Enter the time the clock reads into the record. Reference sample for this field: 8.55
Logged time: 5.30
